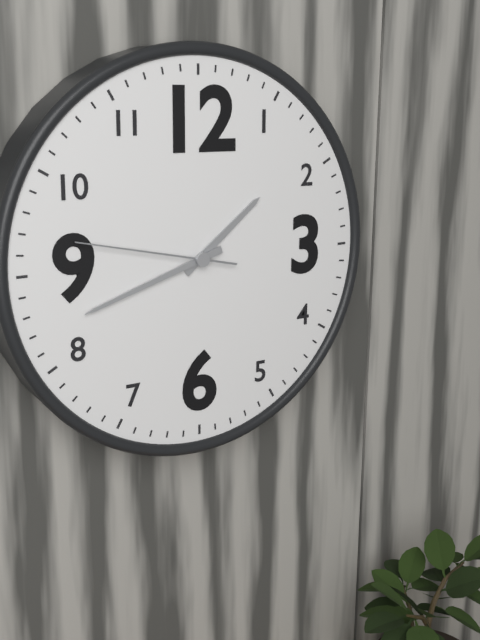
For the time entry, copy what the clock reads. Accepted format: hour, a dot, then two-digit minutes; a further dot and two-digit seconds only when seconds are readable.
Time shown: 1.42.47
